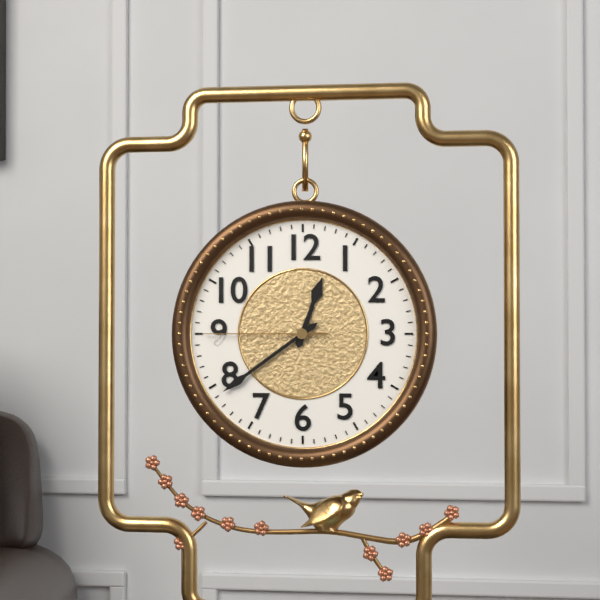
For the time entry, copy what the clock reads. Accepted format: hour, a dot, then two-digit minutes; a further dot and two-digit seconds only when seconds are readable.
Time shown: 12.39.45
